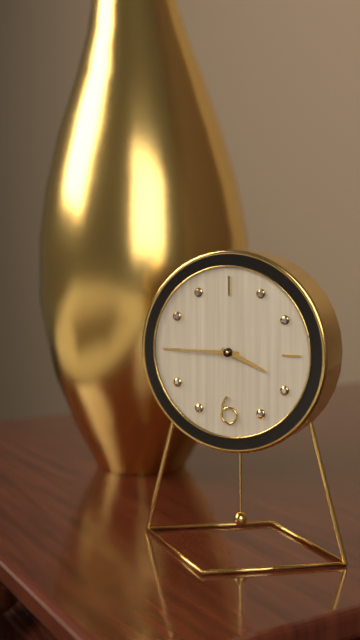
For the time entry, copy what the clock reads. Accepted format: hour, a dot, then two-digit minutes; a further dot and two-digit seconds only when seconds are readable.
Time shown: 3.45
